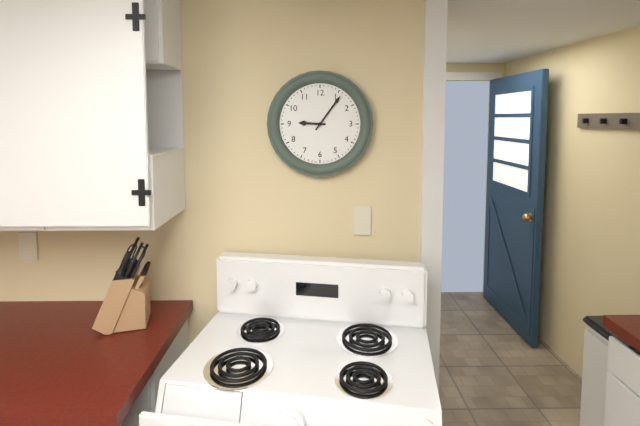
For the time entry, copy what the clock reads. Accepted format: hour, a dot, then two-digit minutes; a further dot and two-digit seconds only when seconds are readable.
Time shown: 9.06
